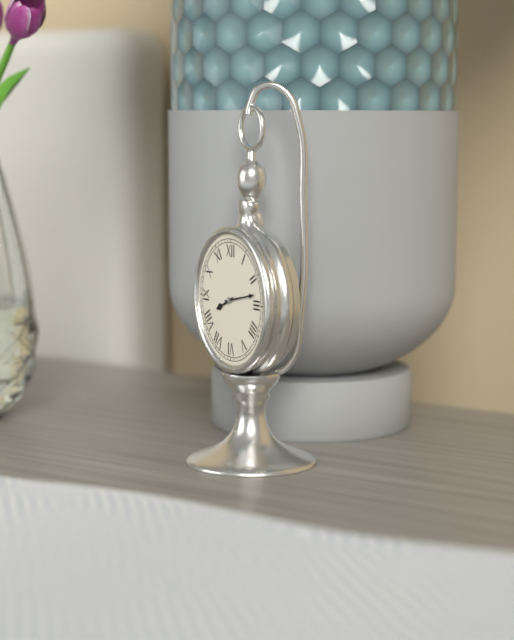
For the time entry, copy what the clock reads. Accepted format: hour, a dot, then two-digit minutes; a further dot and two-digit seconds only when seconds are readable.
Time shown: 8.13
